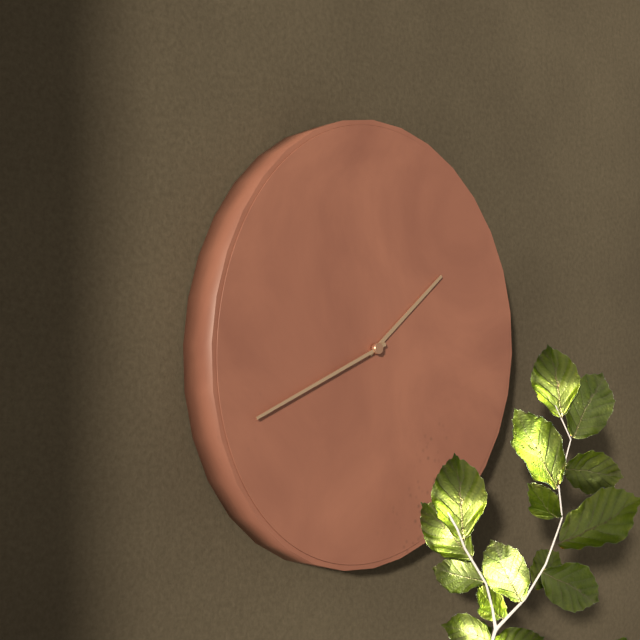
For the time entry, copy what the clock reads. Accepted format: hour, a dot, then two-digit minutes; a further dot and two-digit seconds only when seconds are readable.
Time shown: 1.41
